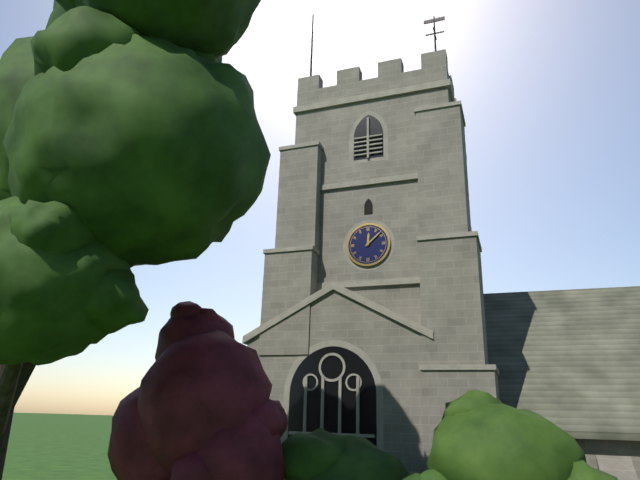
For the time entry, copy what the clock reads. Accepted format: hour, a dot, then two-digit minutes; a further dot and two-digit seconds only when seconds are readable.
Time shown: 12.08
